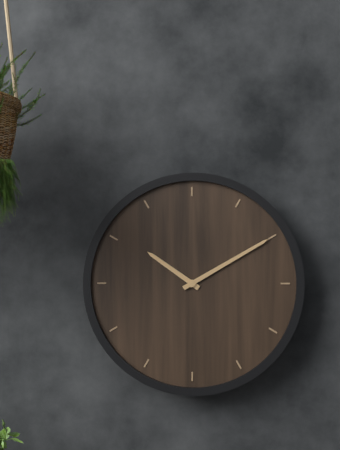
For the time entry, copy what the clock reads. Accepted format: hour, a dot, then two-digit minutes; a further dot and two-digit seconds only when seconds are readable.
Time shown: 10.10
